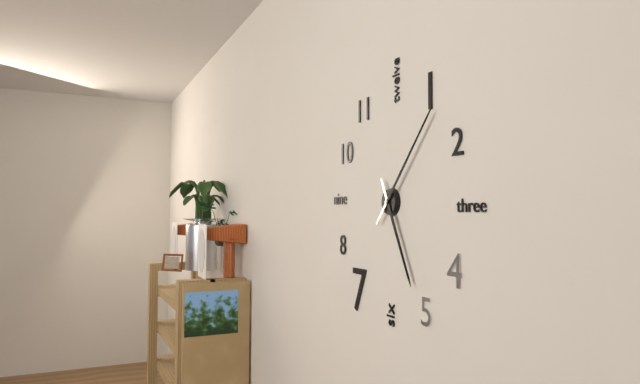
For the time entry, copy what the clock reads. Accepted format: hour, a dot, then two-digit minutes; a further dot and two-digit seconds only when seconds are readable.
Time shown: 5.07
